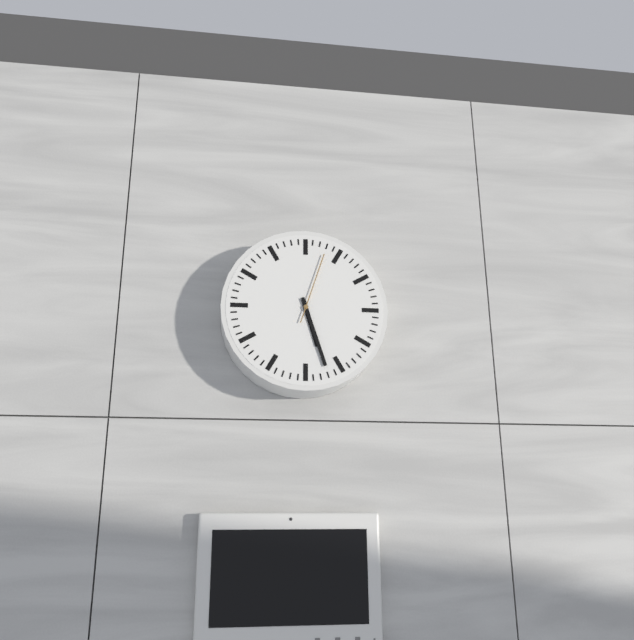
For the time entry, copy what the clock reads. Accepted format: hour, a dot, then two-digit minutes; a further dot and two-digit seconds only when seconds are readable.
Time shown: 5.27.03
